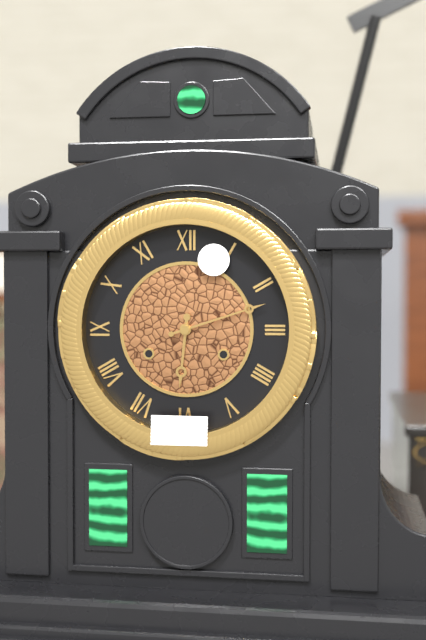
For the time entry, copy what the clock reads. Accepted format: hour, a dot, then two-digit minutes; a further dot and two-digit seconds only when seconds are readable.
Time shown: 6.12
